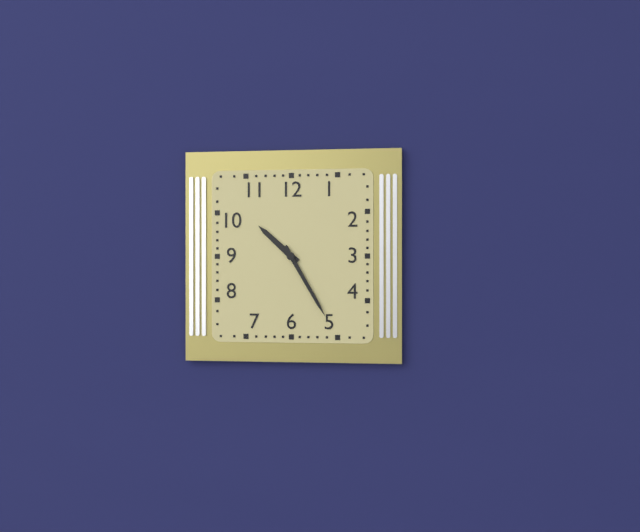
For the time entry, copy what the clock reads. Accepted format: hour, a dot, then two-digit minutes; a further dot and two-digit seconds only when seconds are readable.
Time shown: 10.25
